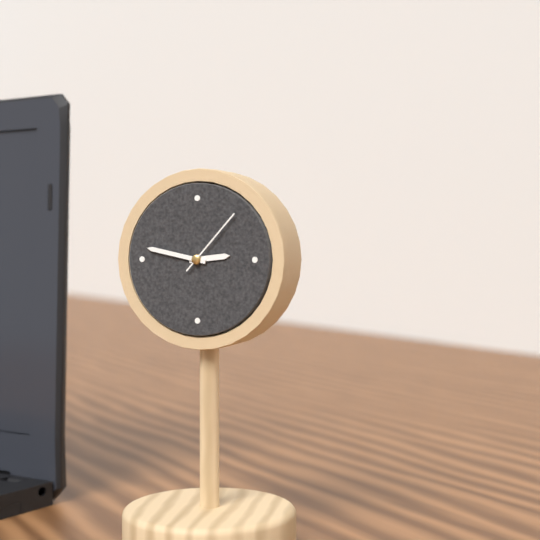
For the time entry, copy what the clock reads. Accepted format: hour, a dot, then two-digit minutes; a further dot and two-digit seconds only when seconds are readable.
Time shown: 2.47.07
